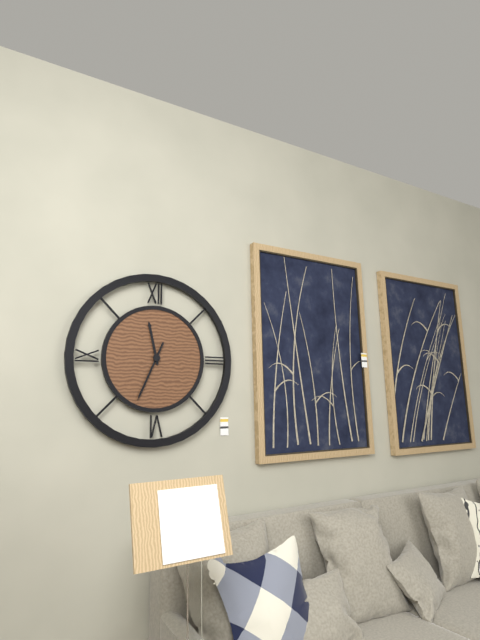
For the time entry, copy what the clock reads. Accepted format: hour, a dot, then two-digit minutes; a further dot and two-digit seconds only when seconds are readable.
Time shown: 11.34
